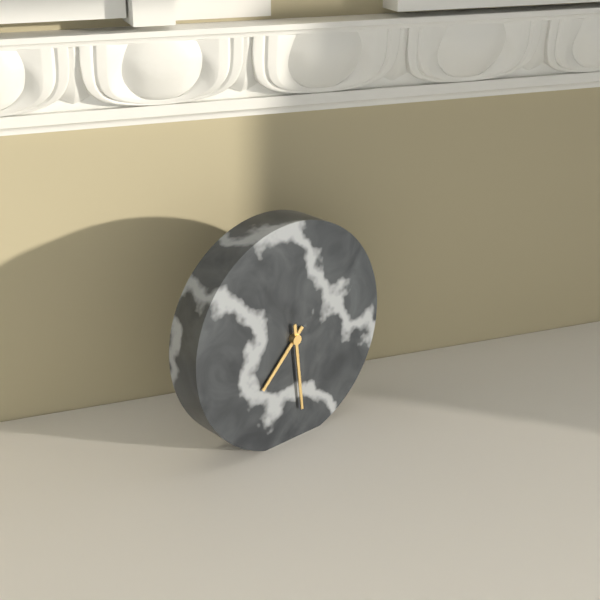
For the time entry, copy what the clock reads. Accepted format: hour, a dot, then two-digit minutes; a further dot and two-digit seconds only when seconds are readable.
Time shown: 7.29
